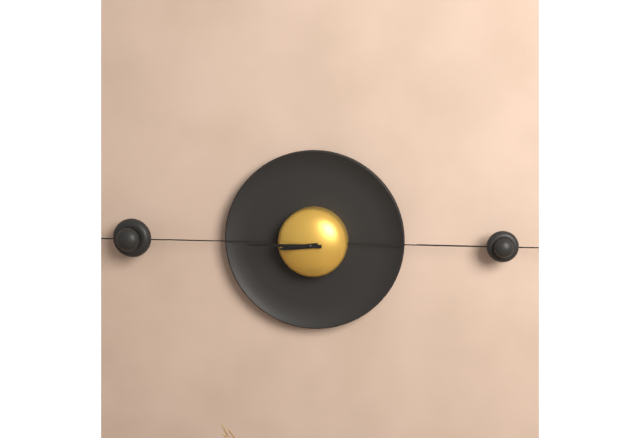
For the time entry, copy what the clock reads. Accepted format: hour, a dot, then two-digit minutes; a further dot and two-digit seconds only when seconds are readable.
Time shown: 8.45
